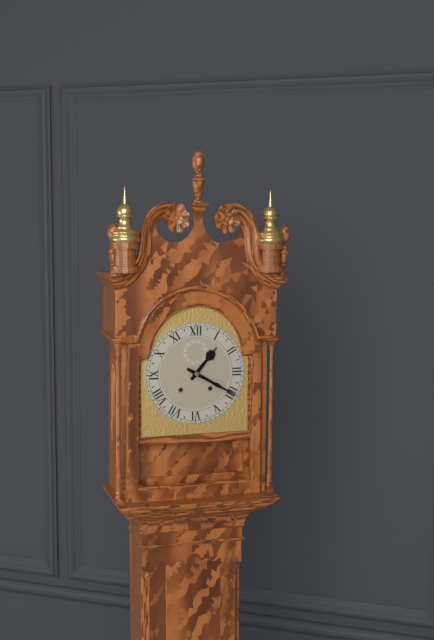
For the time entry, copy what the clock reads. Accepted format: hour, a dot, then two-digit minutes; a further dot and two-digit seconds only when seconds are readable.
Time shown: 1.20
